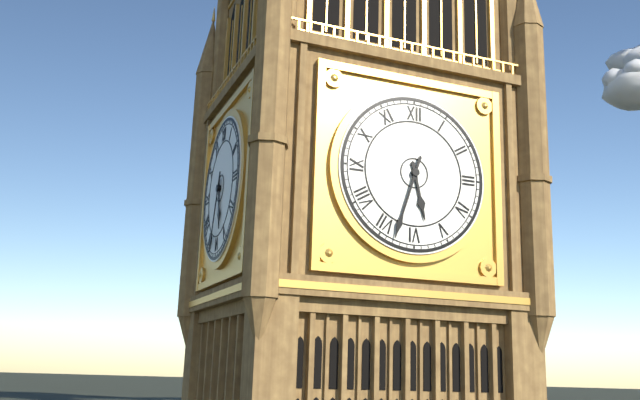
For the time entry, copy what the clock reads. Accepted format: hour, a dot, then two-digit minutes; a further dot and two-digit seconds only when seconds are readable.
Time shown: 5.33
